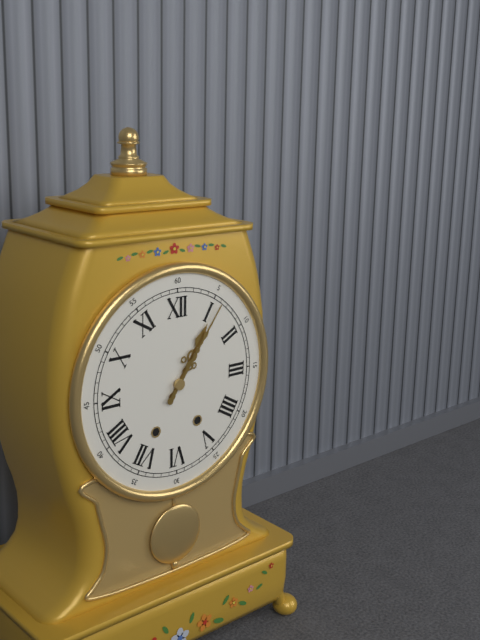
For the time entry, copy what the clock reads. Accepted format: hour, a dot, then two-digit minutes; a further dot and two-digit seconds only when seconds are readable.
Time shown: 1.06
